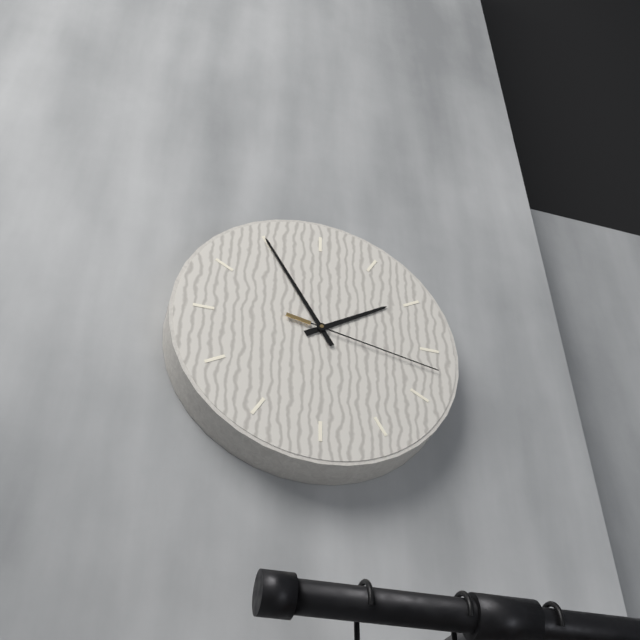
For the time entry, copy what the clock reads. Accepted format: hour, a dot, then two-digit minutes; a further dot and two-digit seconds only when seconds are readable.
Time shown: 1.55.17
